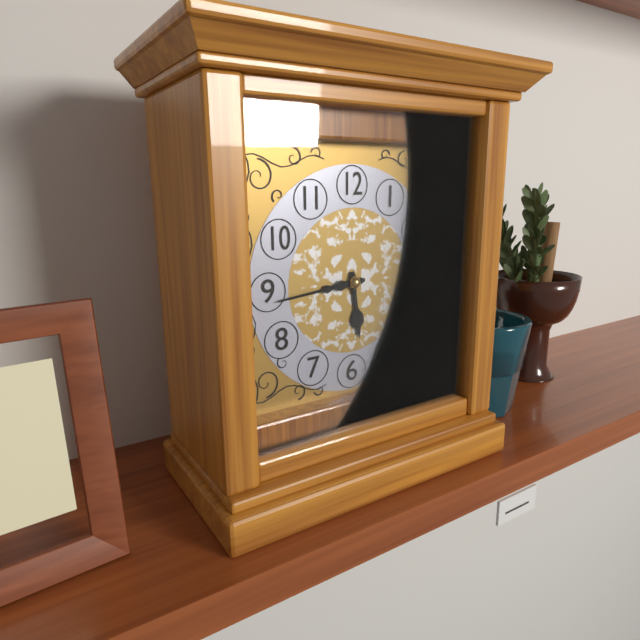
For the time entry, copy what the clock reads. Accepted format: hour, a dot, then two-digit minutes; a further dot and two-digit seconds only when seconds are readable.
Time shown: 5.44
